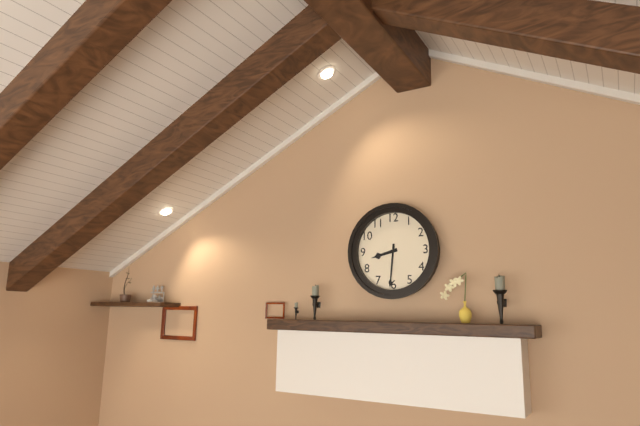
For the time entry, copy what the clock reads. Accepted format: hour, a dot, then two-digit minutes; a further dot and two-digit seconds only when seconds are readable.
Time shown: 8.31
